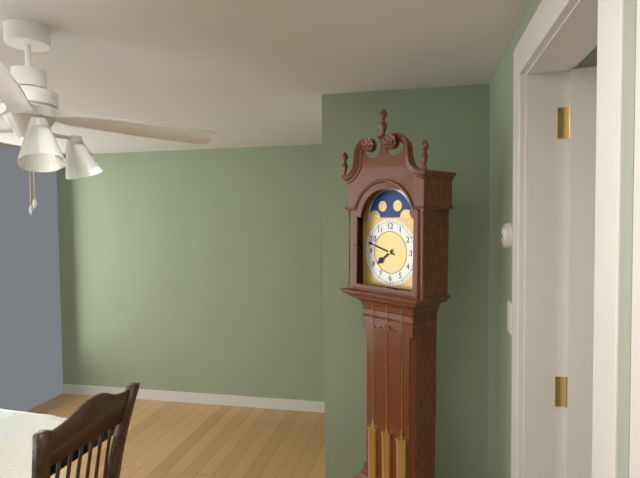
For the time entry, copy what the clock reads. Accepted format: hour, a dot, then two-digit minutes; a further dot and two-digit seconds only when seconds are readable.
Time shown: 7.48
